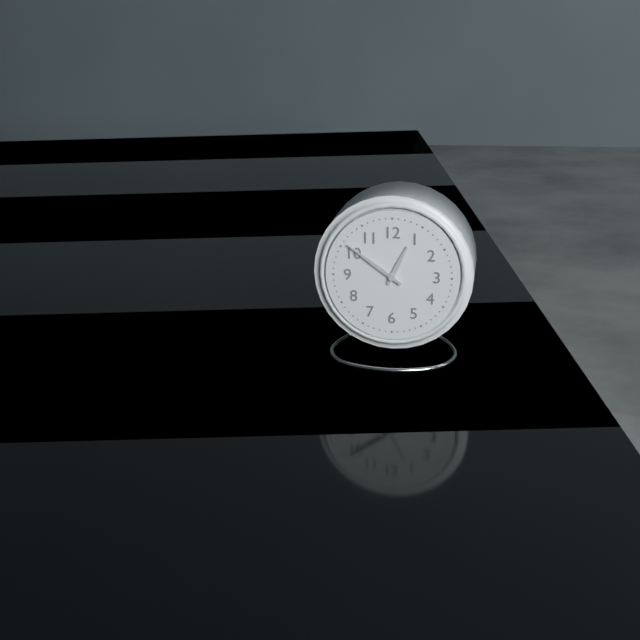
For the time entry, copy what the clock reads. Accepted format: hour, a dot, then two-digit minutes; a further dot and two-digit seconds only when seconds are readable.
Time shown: 12.51
